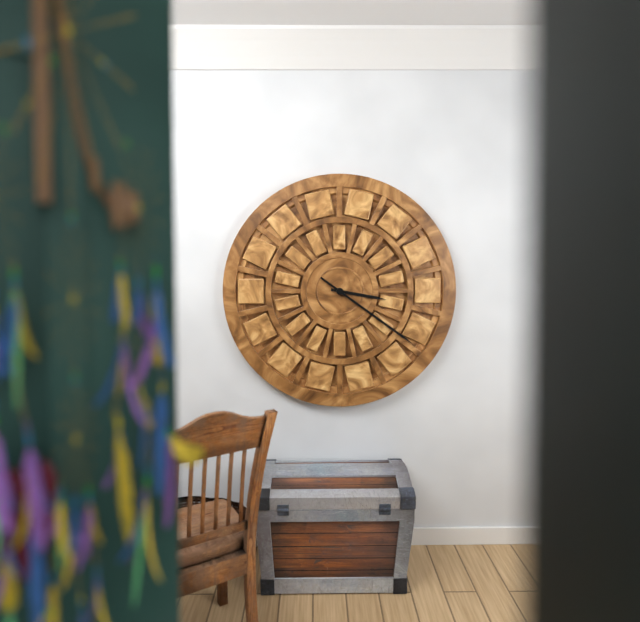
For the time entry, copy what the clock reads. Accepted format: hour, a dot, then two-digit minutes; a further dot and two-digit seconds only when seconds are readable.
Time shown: 3.21
